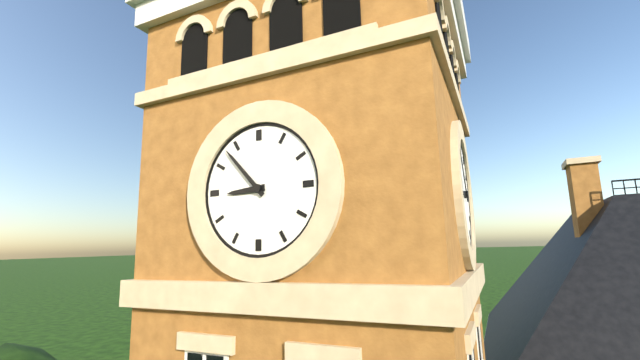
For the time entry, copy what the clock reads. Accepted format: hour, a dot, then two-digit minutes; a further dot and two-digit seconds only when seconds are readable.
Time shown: 8.53
